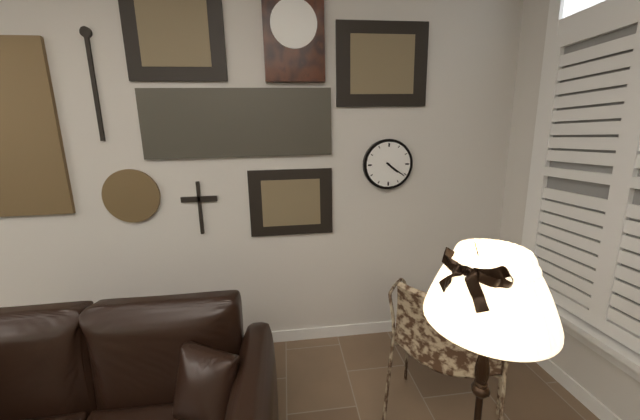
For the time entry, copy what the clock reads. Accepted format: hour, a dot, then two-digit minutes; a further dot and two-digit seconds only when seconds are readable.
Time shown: 4.21
